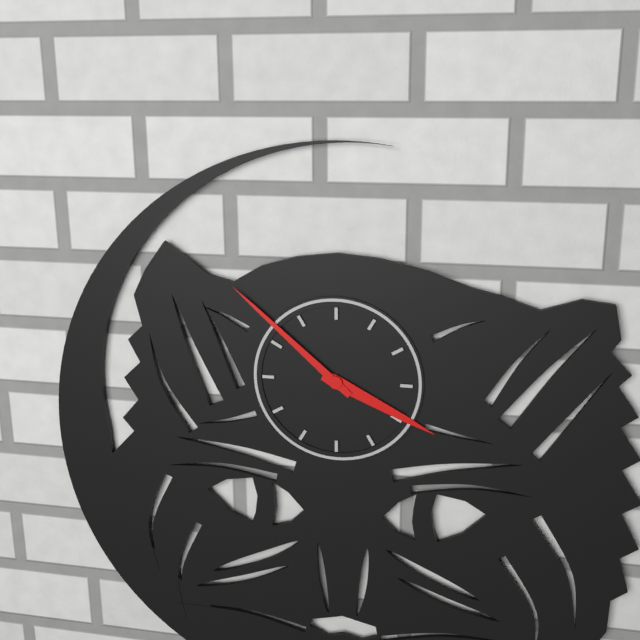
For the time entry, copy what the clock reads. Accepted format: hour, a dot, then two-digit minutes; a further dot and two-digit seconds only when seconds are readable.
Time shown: 3.52
